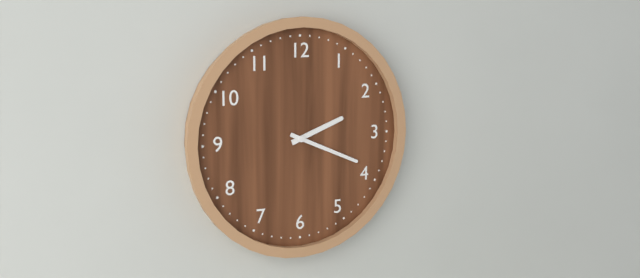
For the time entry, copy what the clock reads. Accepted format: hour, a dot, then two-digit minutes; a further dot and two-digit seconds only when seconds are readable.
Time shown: 2.19
